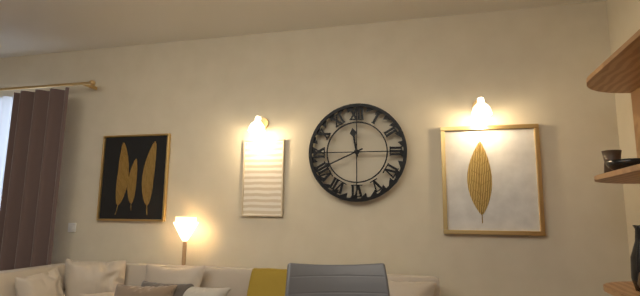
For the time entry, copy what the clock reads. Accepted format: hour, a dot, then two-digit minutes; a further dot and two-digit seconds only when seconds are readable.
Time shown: 11.41
